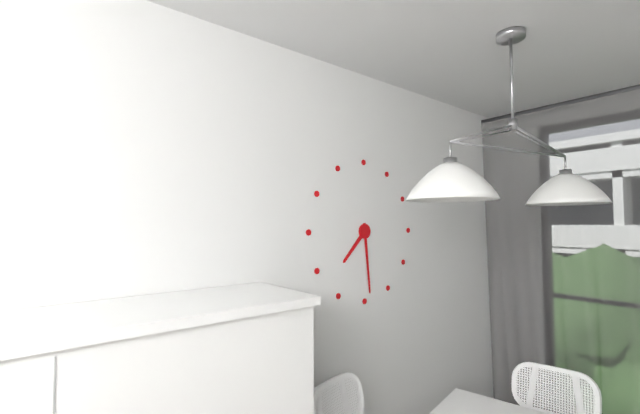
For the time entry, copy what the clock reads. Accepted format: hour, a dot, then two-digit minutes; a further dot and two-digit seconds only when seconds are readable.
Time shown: 7.29
